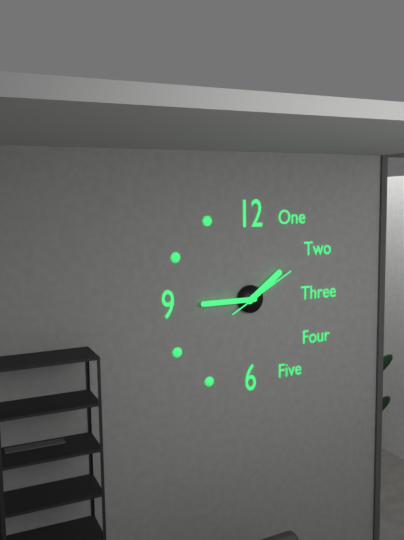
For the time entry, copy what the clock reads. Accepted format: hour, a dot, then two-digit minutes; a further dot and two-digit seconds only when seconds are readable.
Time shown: 1.45.10
